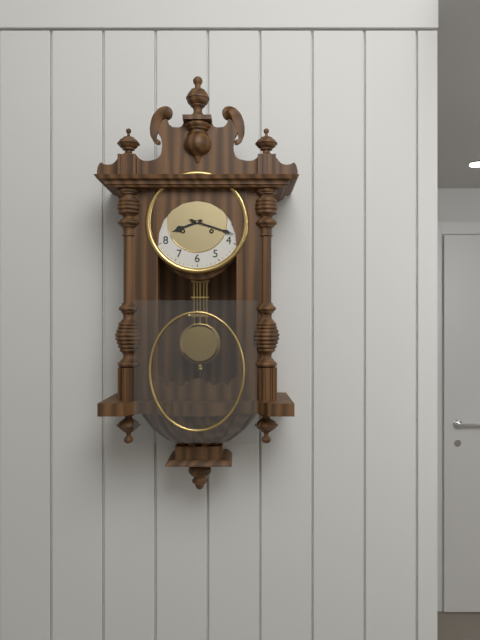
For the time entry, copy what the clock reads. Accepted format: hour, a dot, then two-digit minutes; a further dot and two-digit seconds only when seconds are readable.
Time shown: 8.18
